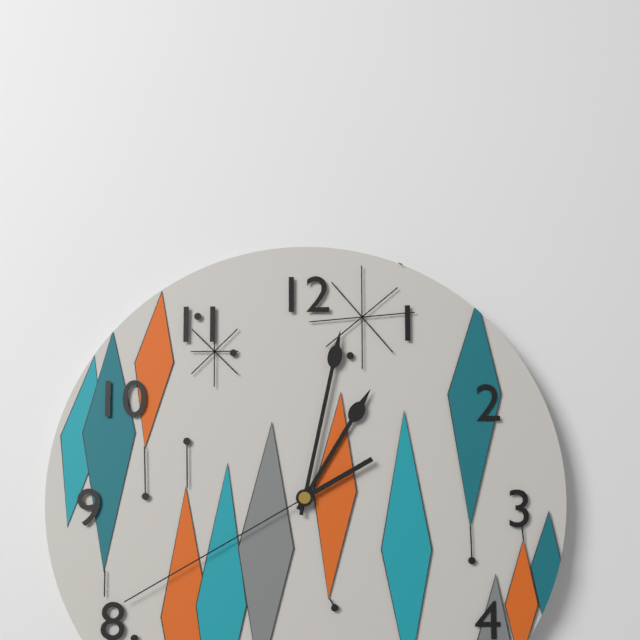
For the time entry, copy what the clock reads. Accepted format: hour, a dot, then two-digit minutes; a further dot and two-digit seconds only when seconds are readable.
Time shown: 1.02.40
